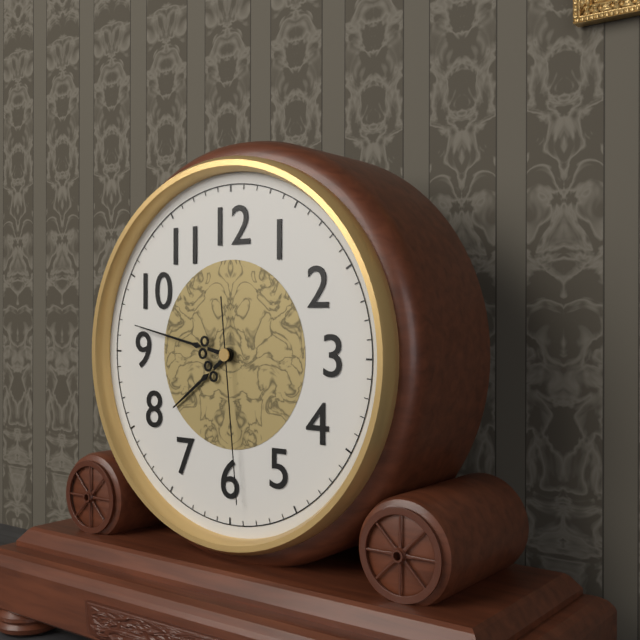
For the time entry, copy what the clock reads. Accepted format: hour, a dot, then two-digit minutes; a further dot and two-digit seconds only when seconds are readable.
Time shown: 7.47.29
